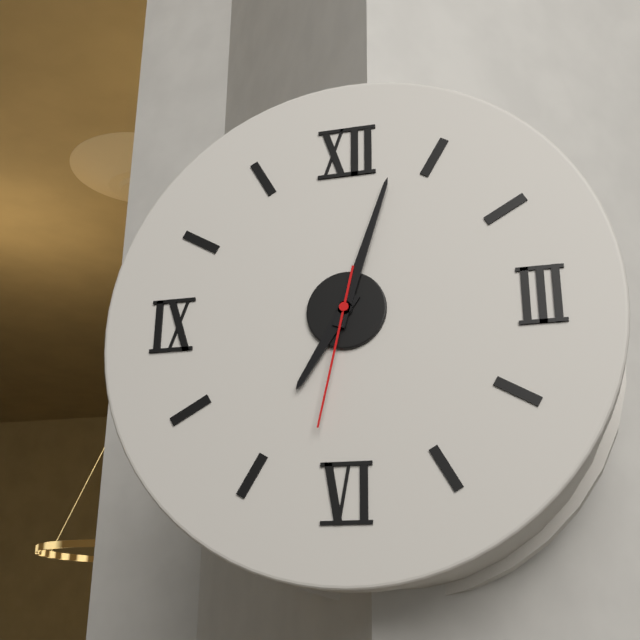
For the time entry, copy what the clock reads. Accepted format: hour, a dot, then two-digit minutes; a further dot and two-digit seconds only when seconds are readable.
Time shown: 7.03.32
